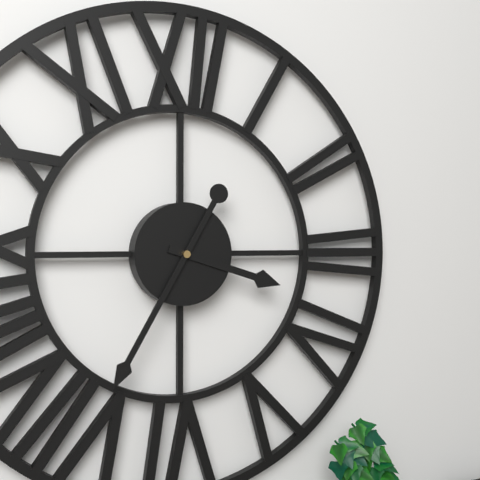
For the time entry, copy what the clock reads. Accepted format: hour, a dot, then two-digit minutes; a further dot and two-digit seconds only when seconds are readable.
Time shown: 3.35
